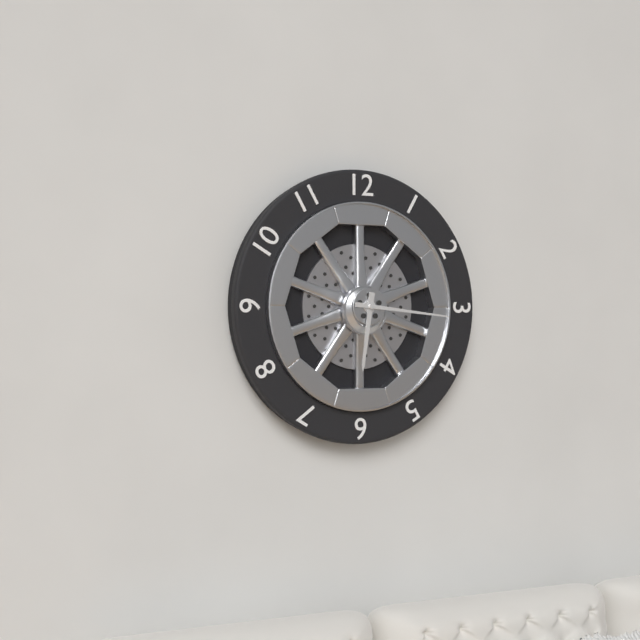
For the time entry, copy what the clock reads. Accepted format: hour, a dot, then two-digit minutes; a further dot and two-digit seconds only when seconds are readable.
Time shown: 6.16
